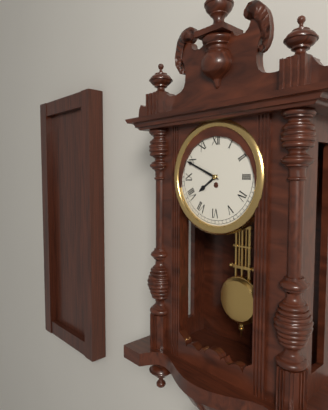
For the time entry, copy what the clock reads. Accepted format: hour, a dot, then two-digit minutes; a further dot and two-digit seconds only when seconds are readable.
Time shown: 7.49
